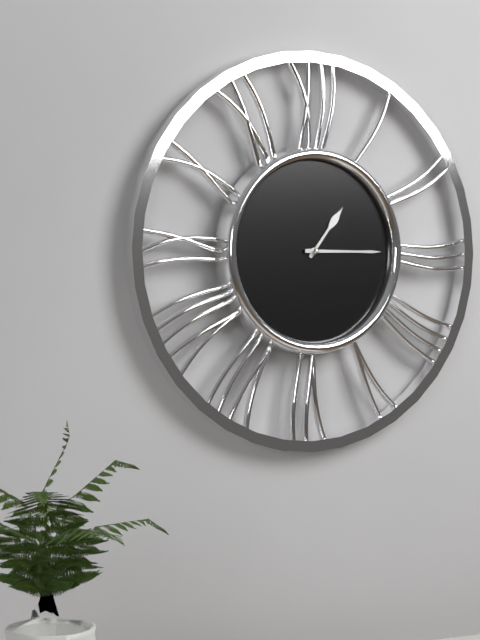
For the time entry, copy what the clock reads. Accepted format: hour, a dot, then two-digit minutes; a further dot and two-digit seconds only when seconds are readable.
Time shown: 1.15
